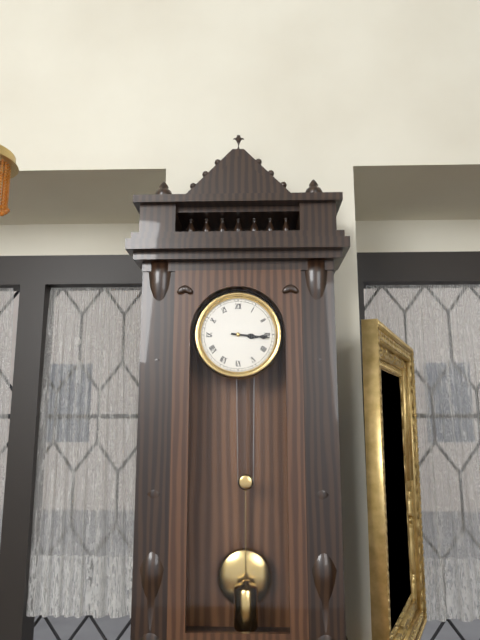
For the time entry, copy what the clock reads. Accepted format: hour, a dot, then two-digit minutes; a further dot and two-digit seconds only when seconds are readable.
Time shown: 3.16
